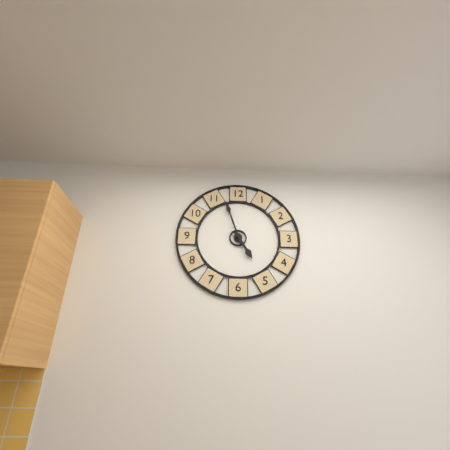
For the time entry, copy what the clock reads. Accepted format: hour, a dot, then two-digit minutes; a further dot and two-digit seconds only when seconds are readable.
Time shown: 4.57
